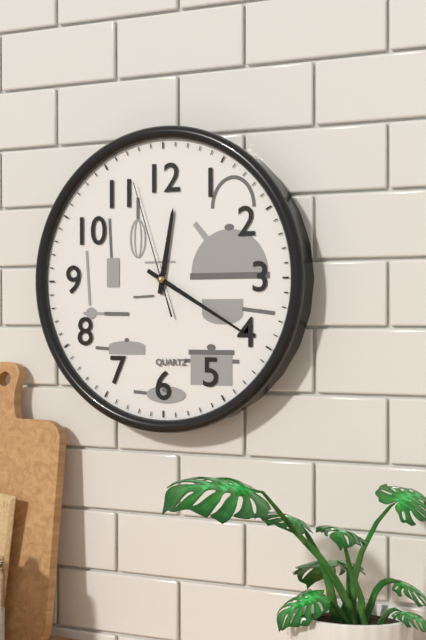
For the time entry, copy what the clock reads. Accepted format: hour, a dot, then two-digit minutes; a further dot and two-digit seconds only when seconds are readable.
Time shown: 12.20.57
